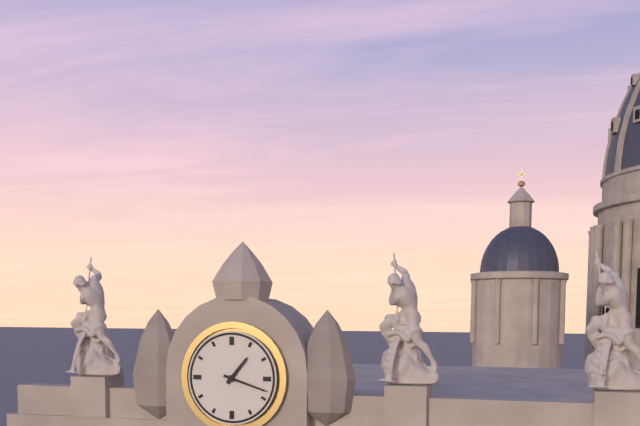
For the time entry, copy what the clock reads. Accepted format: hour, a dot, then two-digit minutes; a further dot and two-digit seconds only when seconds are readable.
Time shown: 1.18
